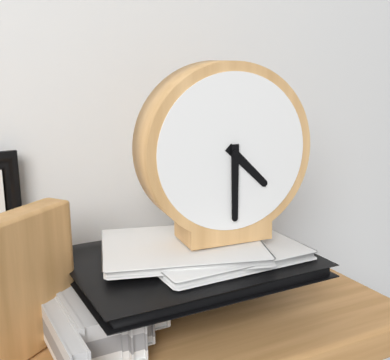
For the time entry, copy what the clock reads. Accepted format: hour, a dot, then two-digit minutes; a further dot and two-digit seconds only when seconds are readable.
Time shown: 4.30
